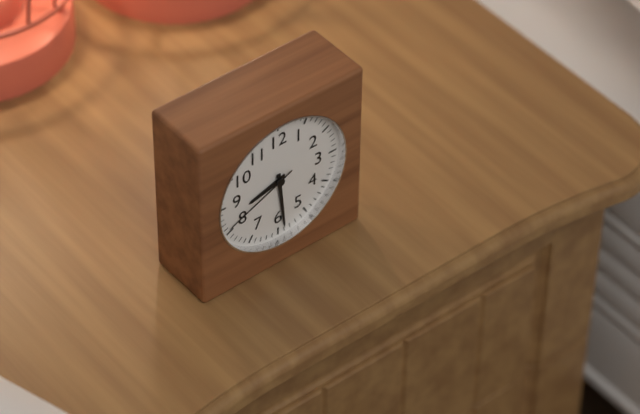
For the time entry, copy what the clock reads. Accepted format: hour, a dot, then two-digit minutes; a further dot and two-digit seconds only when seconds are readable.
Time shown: 8.29.41
